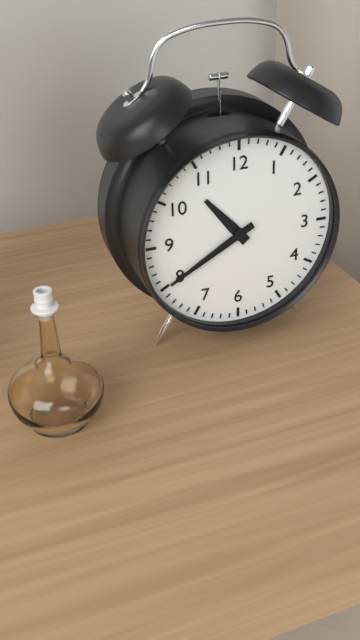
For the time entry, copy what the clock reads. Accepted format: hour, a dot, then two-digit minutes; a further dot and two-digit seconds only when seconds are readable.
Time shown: 10.40
